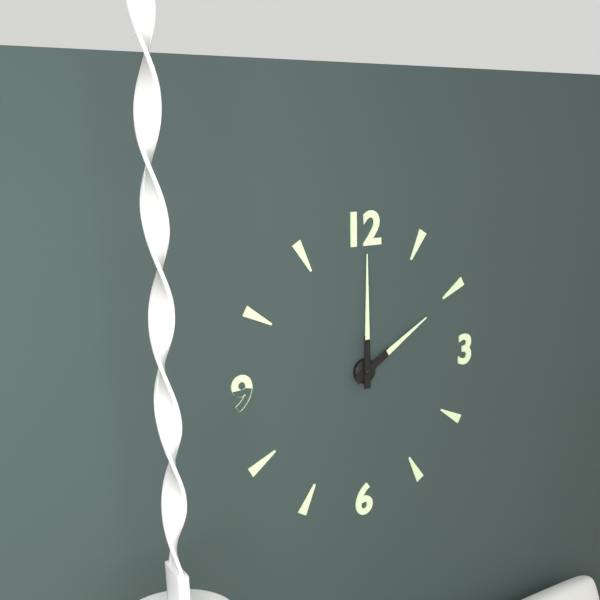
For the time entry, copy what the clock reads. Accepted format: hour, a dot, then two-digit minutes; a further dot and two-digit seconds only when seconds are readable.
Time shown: 2.00
